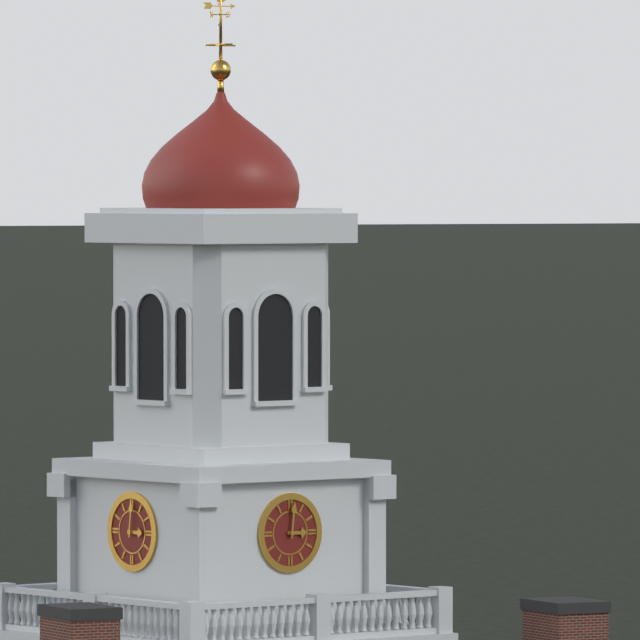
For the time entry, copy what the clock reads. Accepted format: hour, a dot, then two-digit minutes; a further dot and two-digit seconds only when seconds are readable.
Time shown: 3.01
